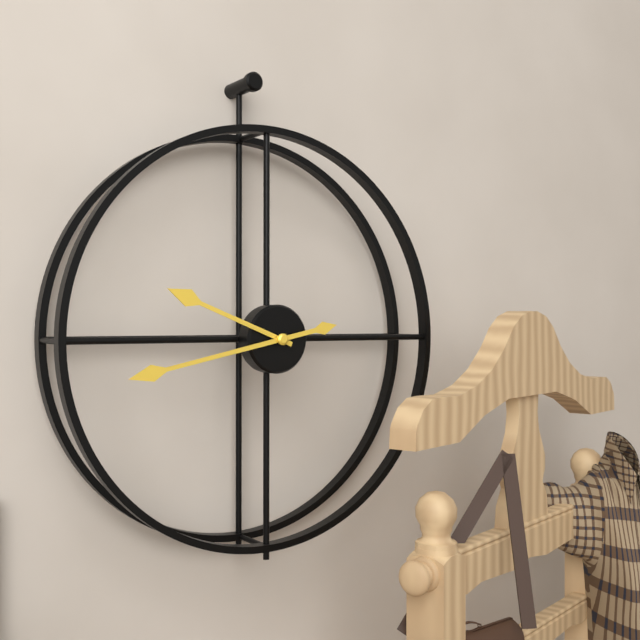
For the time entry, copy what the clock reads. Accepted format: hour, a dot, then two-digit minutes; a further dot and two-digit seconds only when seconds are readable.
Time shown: 9.43
